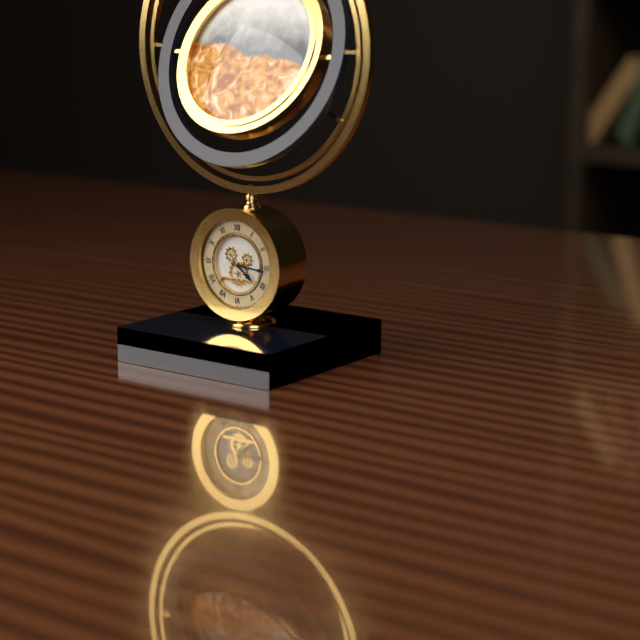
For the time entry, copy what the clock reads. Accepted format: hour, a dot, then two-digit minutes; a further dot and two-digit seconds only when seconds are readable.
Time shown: 4.16
